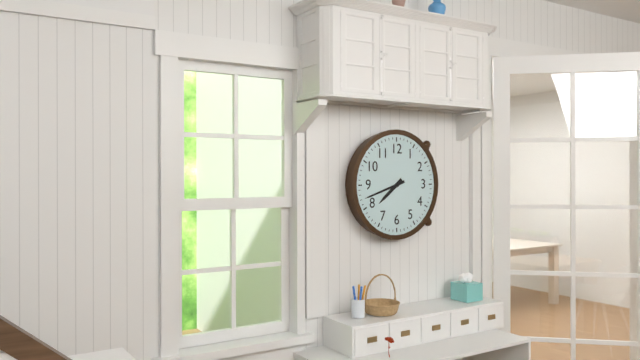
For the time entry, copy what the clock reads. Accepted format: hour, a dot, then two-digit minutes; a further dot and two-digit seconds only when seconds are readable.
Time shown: 7.42
